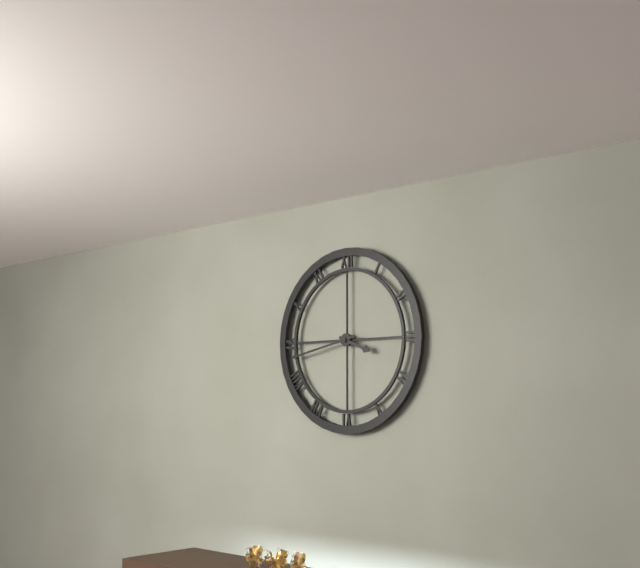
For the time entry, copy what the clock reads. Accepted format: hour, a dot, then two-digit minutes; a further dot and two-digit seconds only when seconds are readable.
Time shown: 3.43
